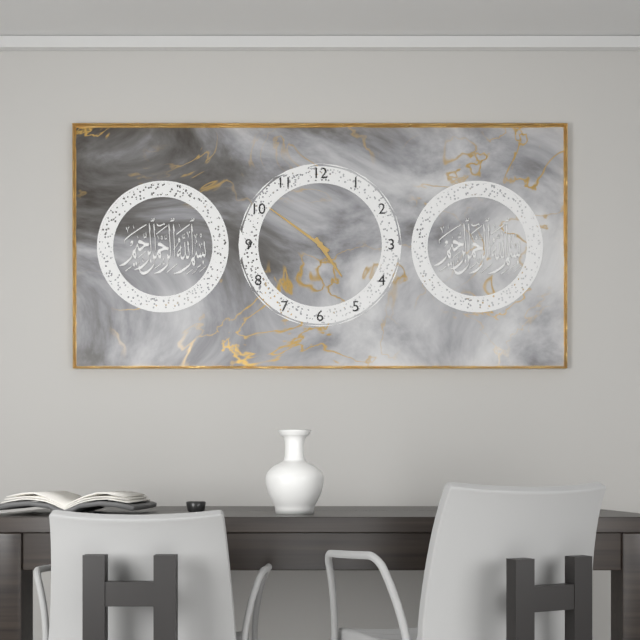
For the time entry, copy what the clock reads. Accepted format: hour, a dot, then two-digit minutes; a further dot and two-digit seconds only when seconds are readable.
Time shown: 4.51
